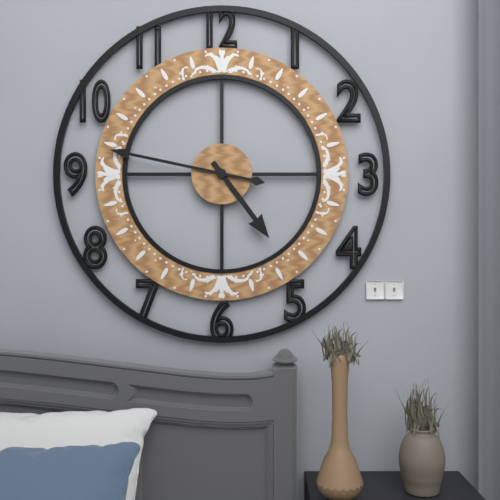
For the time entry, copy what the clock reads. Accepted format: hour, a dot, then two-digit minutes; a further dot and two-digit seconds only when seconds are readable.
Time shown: 4.47
